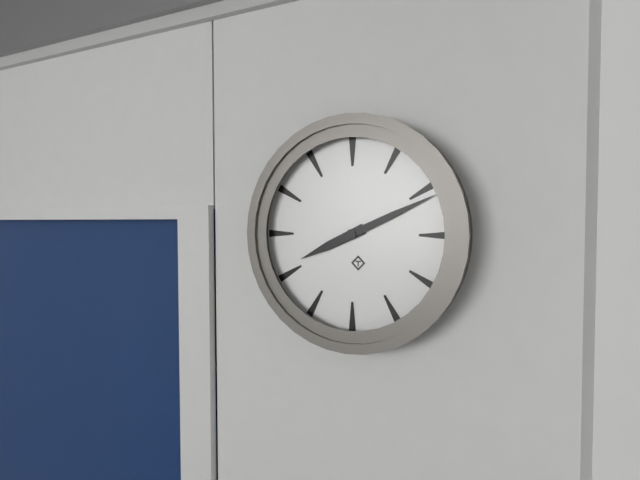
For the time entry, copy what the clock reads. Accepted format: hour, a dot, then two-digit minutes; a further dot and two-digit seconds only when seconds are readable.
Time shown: 8.11
